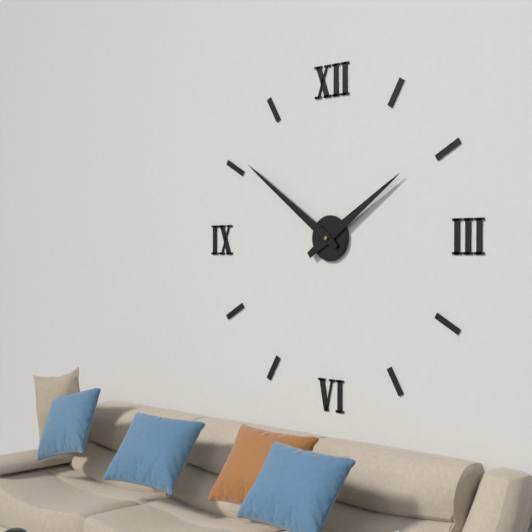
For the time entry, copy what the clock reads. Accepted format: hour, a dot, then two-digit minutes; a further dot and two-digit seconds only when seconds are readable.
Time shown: 1.51
